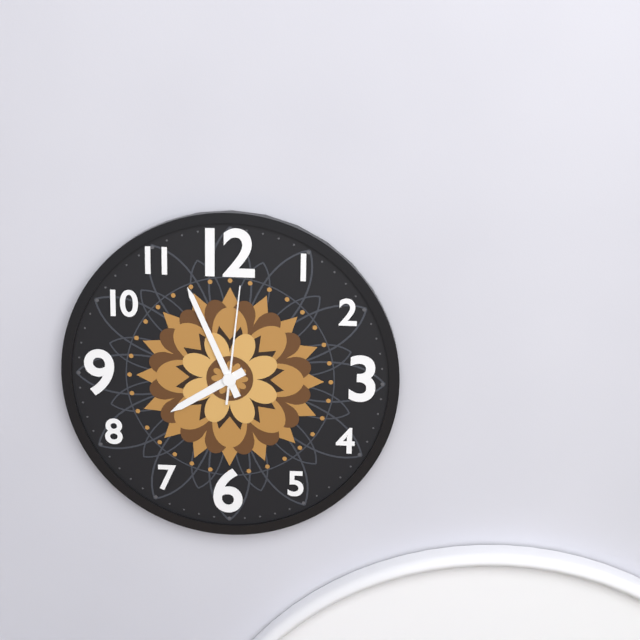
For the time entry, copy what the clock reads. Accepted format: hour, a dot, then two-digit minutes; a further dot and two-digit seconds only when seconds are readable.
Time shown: 7.56.01
